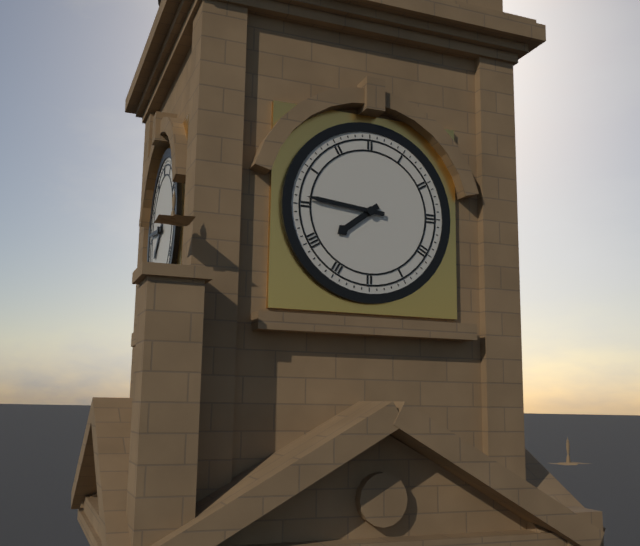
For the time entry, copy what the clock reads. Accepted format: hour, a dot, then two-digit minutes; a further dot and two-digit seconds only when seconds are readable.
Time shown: 7.46
